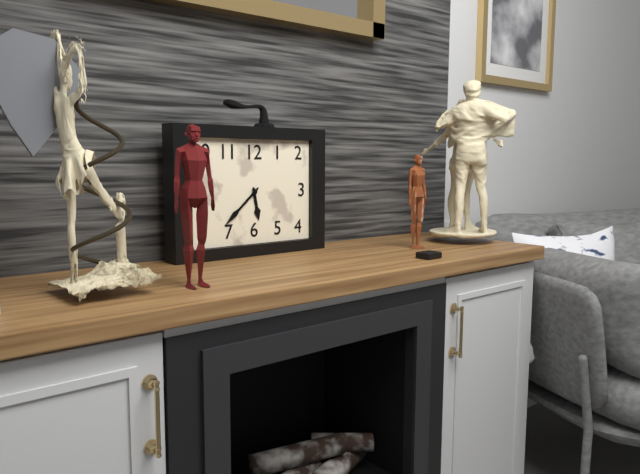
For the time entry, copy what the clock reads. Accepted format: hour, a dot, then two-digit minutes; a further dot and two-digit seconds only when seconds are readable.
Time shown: 5.38
